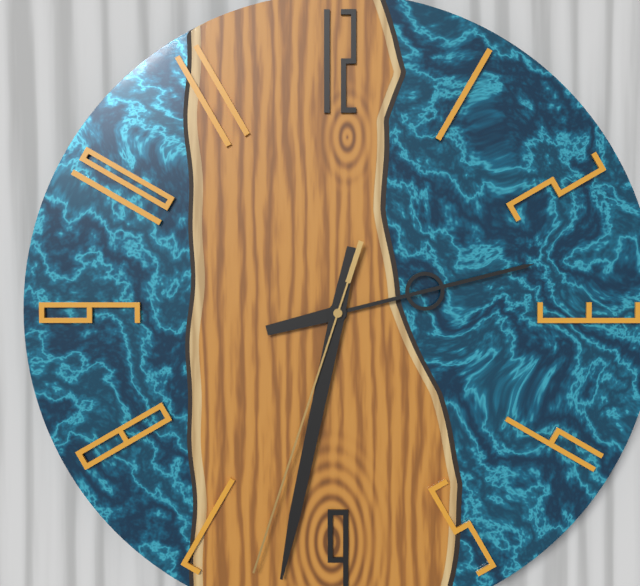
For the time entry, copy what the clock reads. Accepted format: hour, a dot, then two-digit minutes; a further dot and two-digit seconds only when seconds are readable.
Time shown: 2.32.33
